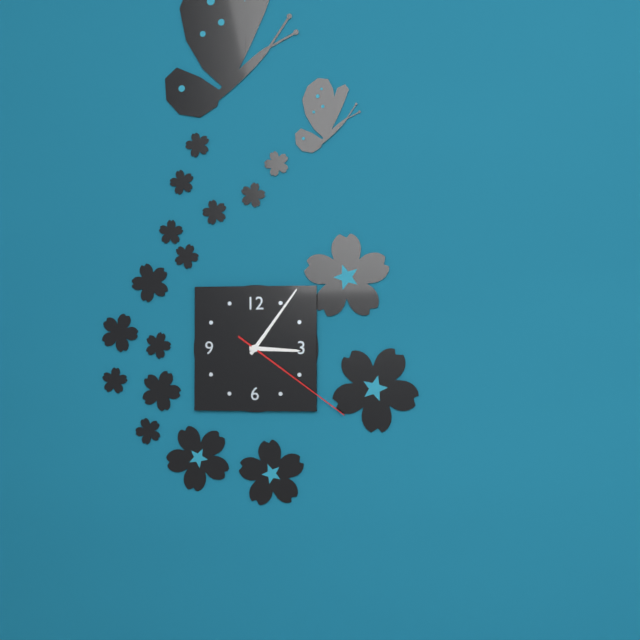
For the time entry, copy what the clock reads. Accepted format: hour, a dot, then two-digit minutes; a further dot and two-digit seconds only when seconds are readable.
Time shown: 3.06.21
